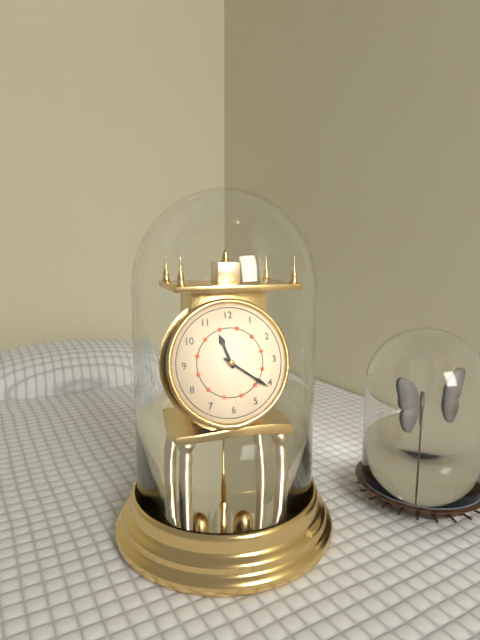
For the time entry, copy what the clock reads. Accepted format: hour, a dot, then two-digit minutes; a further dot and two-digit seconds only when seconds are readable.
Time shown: 11.21
